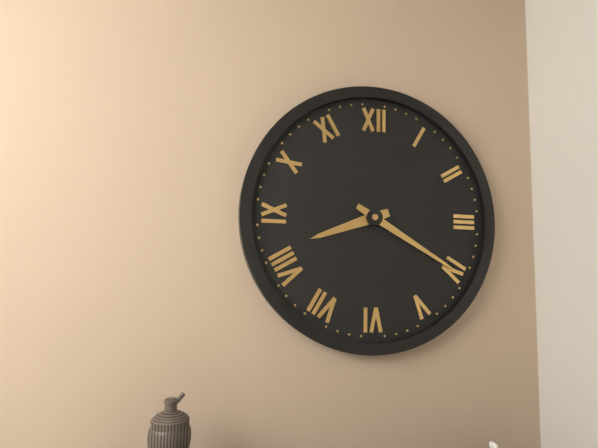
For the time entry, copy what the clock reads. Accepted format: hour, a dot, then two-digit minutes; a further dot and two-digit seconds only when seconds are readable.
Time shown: 8.20
